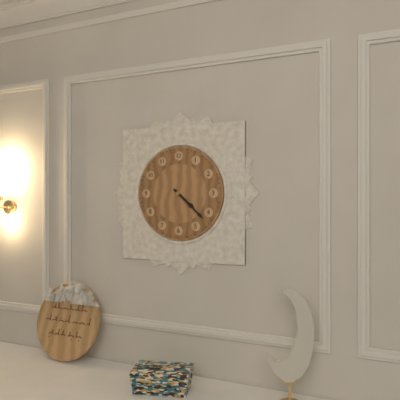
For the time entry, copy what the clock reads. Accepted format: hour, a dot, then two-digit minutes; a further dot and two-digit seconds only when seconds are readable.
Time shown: 4.22
